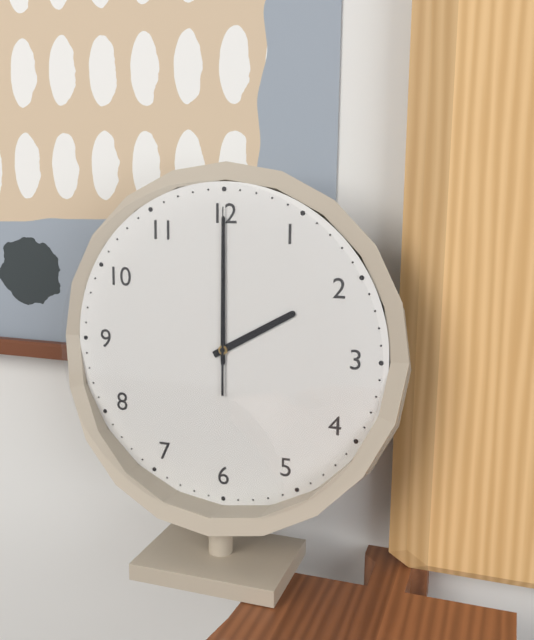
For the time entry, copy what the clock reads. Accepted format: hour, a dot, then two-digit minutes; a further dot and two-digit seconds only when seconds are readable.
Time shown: 2.00.00
